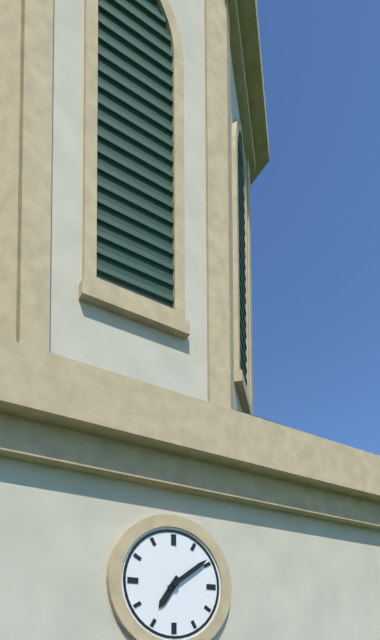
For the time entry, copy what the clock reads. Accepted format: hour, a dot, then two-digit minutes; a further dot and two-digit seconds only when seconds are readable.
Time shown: 7.09
